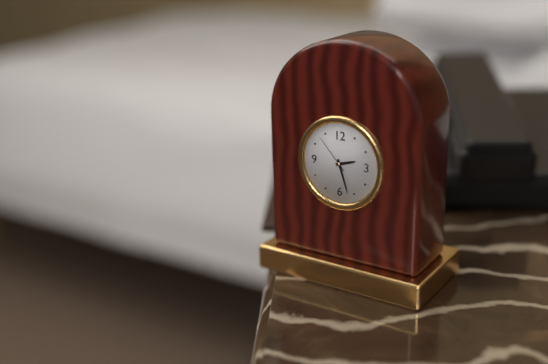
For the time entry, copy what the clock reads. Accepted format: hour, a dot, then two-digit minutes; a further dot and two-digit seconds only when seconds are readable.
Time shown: 2.27
